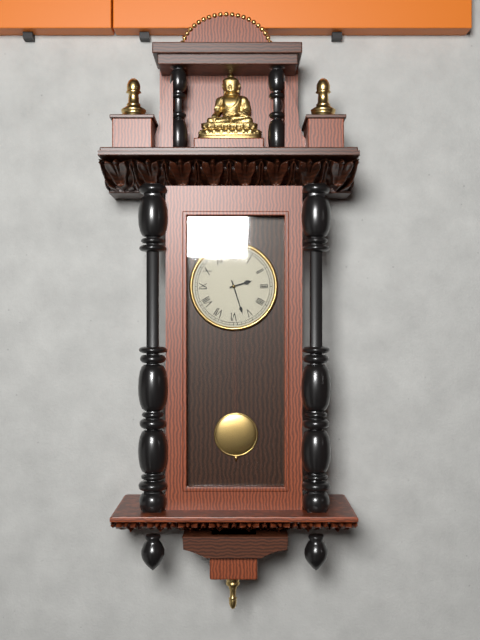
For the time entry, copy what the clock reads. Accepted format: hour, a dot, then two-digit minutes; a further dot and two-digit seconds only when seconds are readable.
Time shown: 2.27
